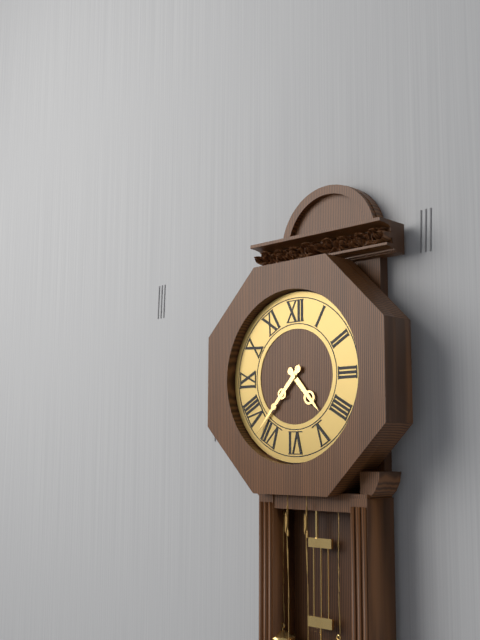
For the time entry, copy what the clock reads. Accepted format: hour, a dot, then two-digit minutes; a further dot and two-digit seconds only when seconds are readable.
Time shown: 4.37
